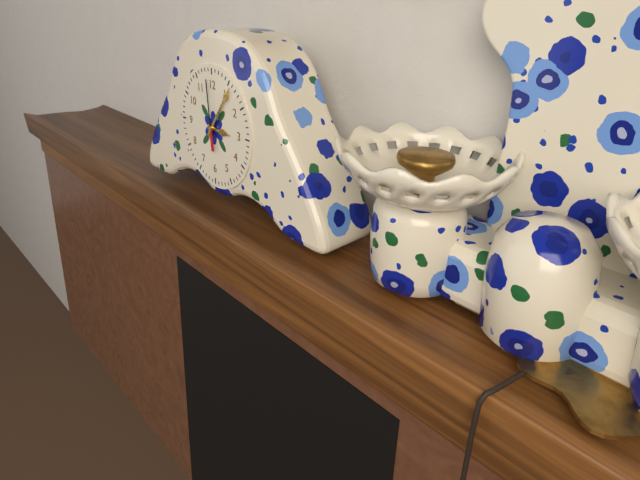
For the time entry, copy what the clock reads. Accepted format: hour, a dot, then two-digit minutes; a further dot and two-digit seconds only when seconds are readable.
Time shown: 3.06.59
